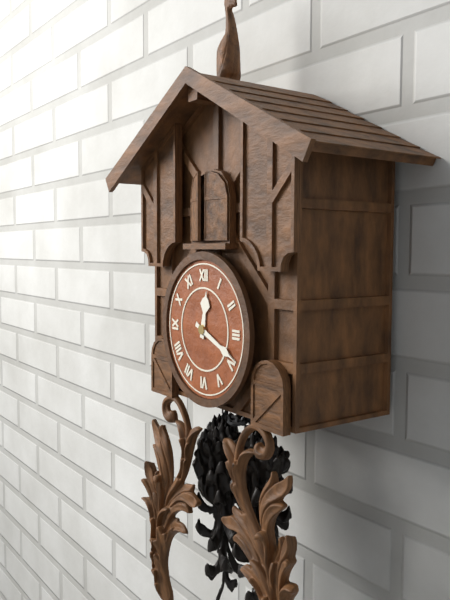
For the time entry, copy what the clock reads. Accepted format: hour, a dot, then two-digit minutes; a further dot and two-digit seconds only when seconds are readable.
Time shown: 12.19
